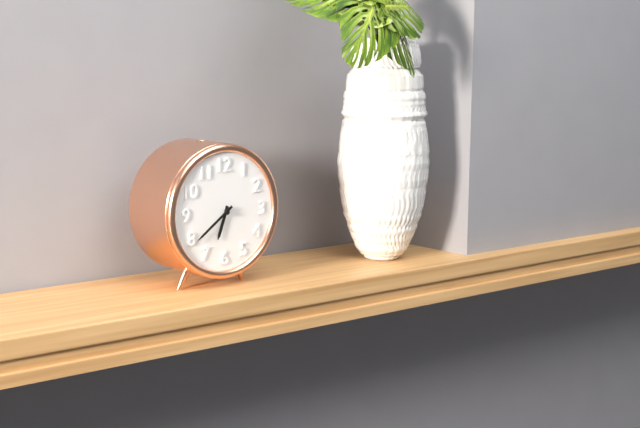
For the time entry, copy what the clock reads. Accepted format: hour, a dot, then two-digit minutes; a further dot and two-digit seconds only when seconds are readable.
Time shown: 6.39
